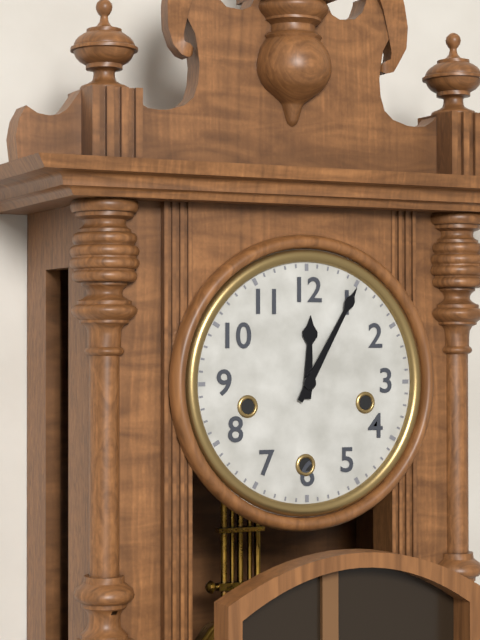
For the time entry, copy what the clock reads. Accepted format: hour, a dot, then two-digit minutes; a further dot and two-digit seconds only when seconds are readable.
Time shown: 12.05
